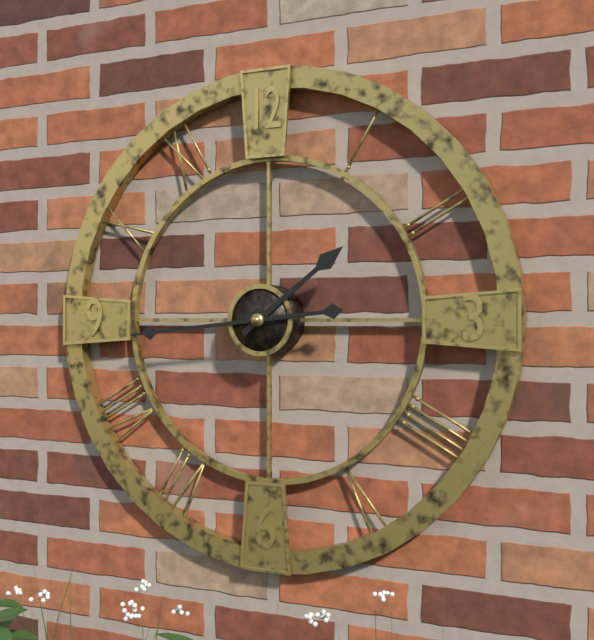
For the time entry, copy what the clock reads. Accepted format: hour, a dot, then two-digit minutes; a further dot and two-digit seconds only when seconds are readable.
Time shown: 1.44
